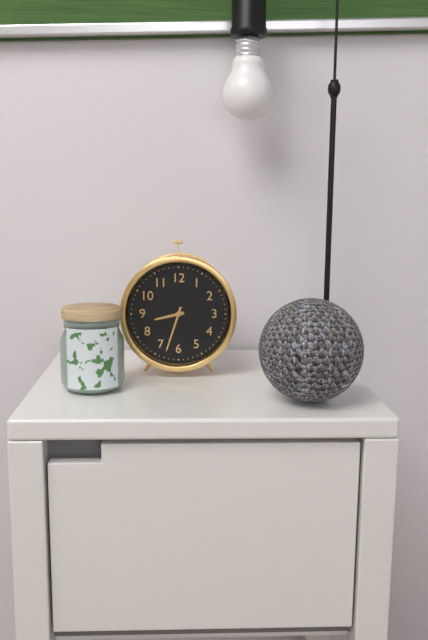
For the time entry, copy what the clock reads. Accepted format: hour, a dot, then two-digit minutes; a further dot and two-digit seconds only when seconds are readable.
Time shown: 8.33
